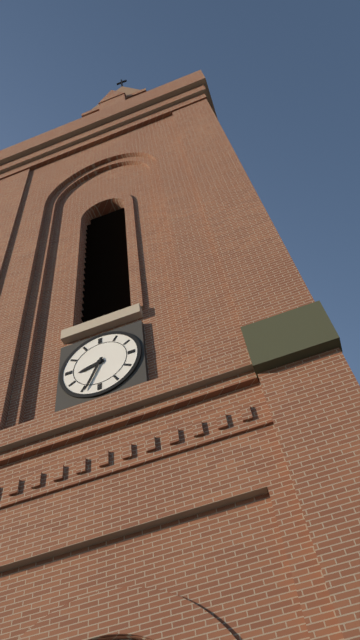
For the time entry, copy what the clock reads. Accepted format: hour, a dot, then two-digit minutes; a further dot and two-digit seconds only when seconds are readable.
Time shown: 8.34
